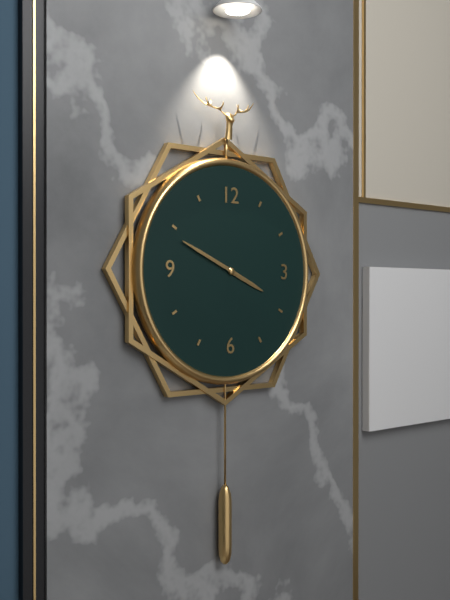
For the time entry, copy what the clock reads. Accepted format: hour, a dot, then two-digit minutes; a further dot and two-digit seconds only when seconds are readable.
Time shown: 3.49
